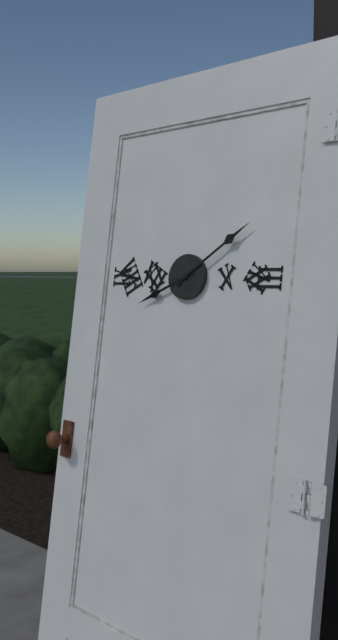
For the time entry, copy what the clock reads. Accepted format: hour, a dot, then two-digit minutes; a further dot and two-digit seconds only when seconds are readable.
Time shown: 8.09
